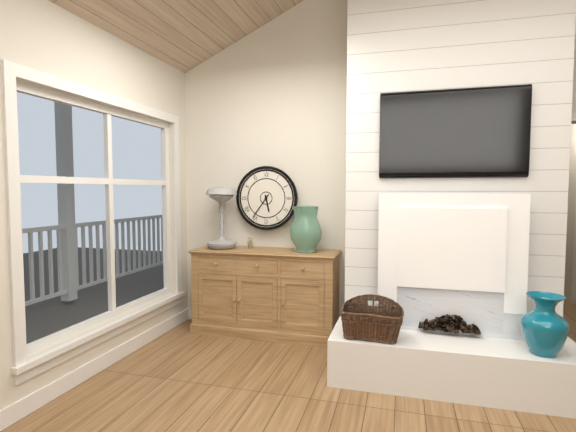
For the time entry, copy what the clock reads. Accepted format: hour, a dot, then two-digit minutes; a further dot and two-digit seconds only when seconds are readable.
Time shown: 5.36
